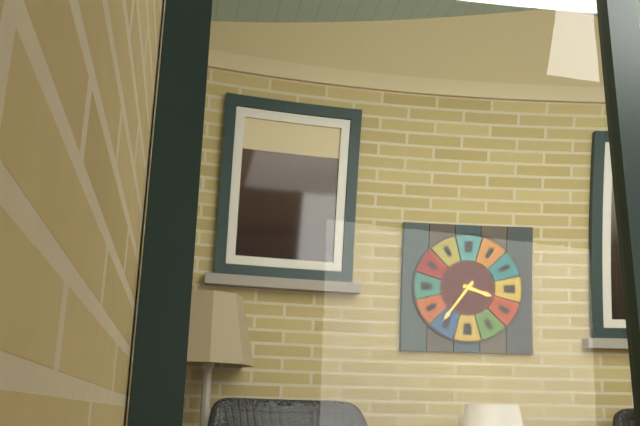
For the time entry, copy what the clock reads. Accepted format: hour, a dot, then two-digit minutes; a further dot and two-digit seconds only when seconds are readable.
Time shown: 3.36
